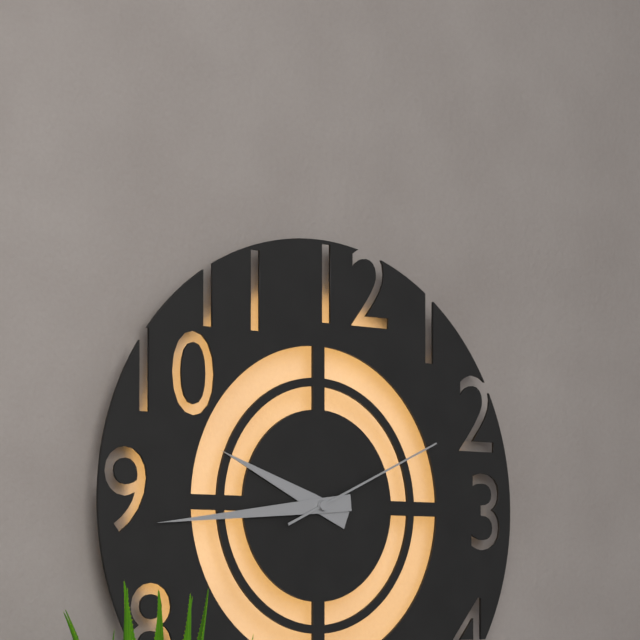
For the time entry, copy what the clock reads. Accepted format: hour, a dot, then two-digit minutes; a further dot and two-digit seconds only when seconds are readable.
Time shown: 9.44.11
